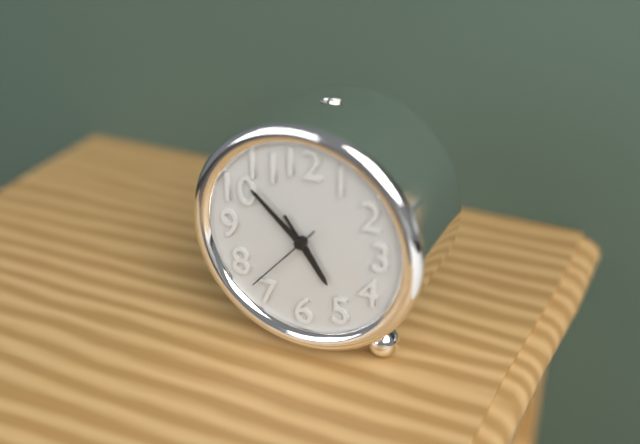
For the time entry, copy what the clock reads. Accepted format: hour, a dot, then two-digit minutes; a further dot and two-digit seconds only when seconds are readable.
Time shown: 4.52.37
